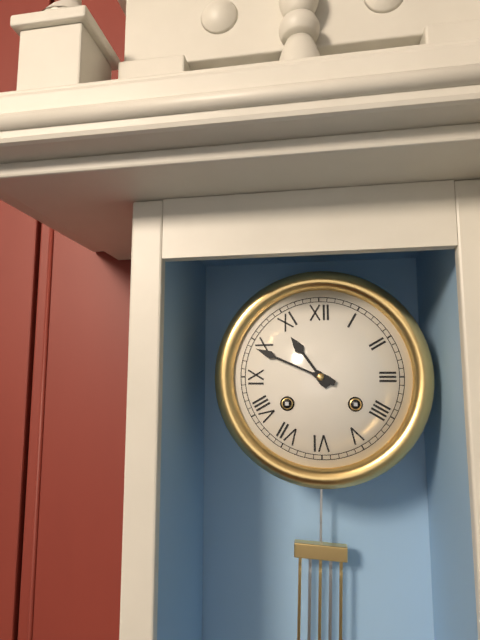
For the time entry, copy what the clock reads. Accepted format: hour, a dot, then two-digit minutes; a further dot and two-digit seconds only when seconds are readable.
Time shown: 10.49
